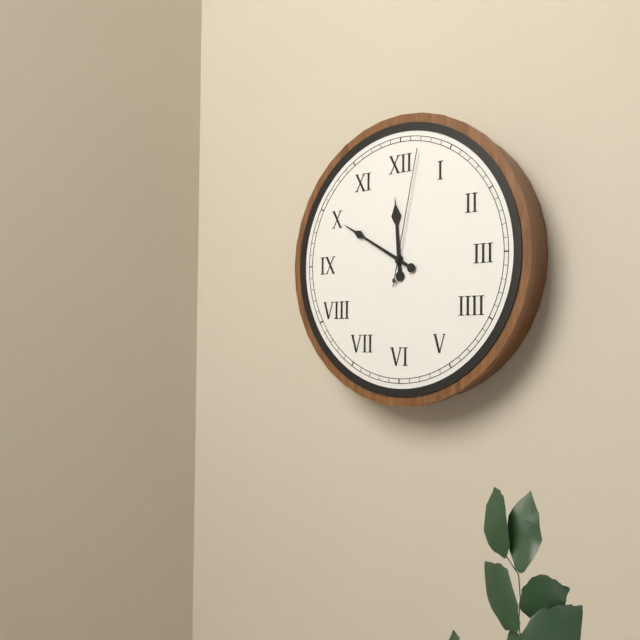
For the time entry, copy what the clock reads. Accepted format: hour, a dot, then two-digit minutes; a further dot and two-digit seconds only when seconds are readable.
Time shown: 11.50.02
